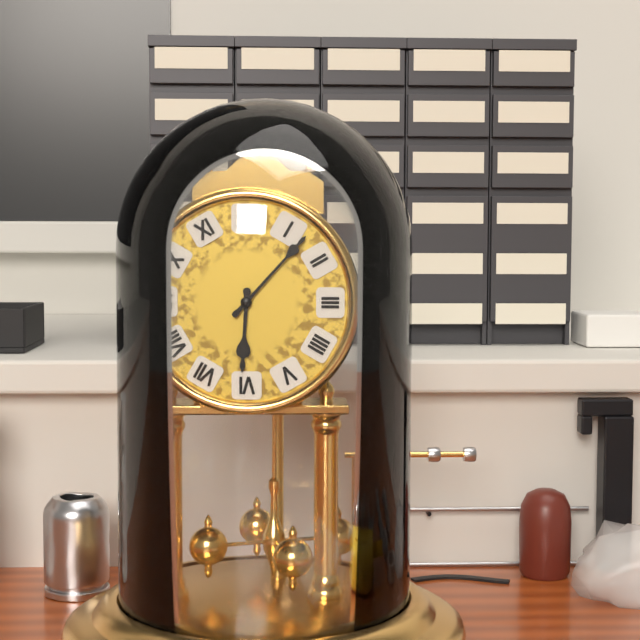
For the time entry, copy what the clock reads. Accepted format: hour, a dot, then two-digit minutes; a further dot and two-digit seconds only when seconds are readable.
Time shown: 6.07
